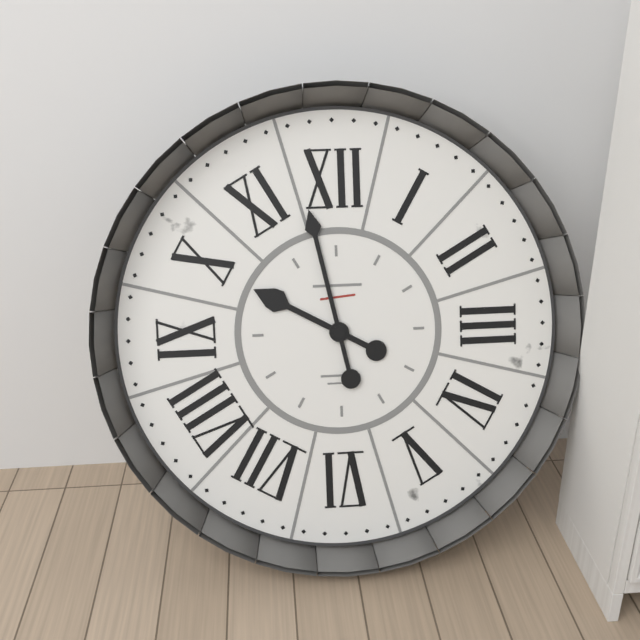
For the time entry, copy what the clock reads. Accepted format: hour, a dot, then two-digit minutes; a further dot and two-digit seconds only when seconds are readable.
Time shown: 9.58
